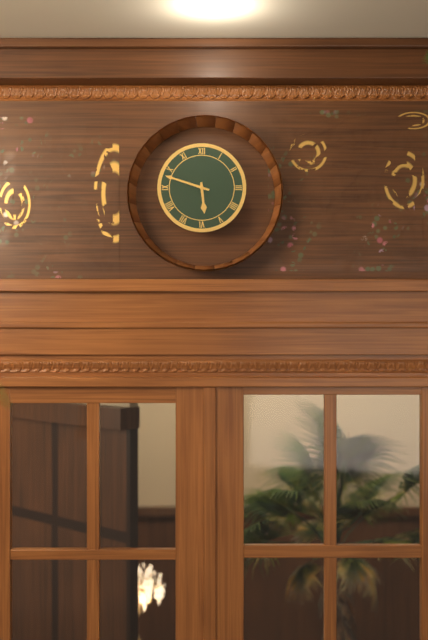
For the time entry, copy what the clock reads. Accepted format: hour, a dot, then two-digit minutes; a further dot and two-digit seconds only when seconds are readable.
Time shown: 5.48
